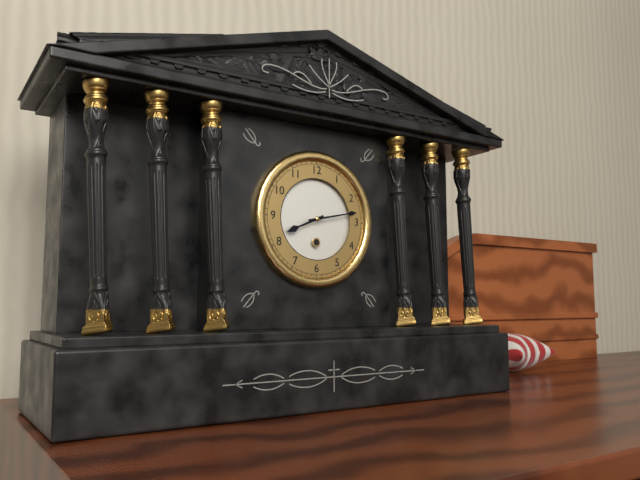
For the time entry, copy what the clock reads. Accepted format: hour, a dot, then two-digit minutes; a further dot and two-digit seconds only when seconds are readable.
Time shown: 8.13
